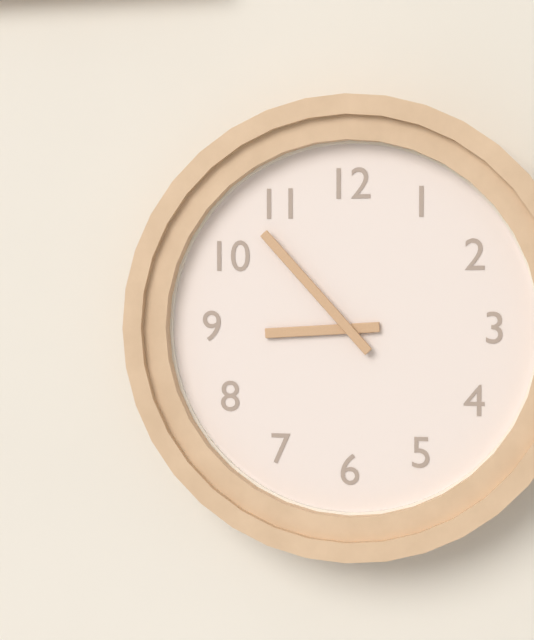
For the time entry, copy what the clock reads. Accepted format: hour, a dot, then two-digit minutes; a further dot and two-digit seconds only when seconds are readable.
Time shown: 8.53
